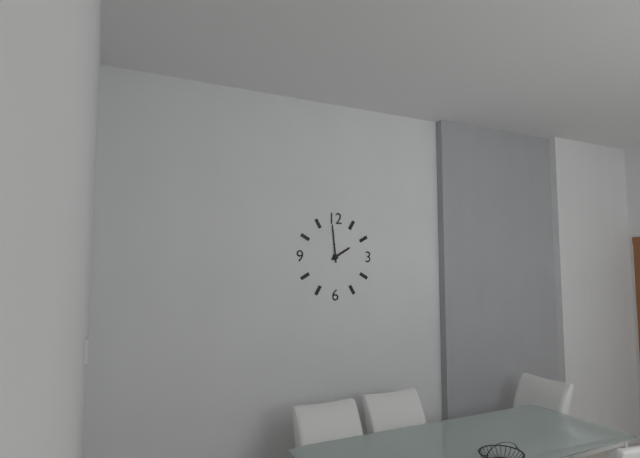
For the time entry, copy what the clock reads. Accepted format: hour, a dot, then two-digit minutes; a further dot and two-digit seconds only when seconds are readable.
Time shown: 1.59
